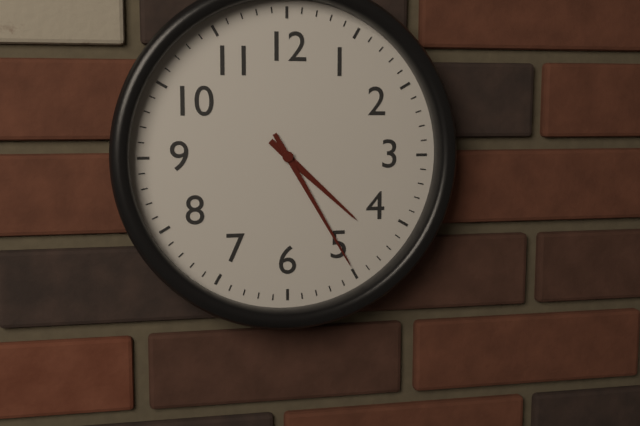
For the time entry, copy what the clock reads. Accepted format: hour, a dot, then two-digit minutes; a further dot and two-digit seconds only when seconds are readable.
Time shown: 4.25
